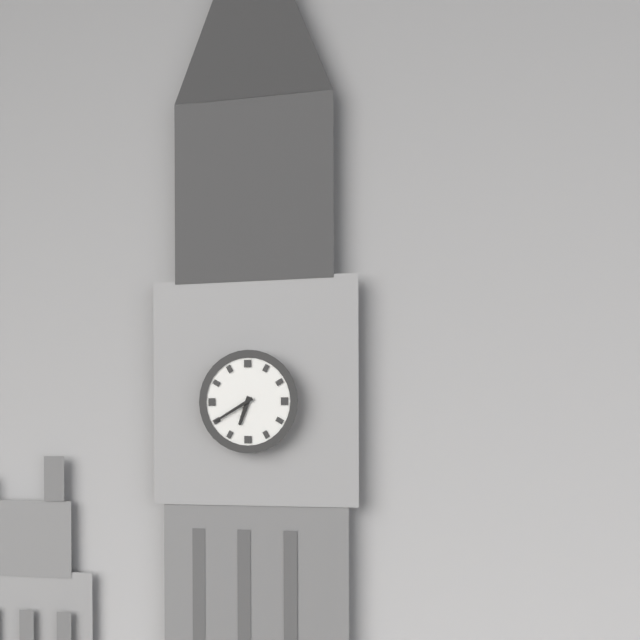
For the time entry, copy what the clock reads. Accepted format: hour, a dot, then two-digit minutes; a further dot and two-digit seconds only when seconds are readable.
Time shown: 6.40
